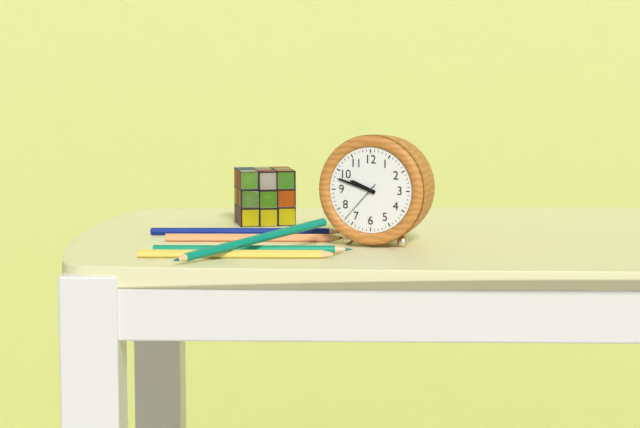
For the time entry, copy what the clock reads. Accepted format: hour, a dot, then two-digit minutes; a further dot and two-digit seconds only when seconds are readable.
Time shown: 9.48
